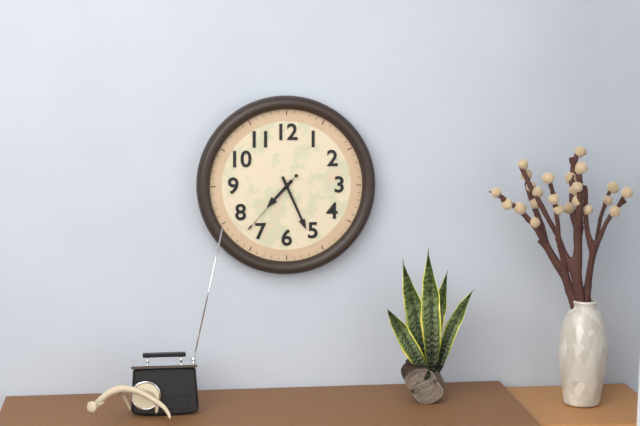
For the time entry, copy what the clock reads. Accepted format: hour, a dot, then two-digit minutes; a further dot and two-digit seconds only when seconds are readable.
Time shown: 7.26.37
